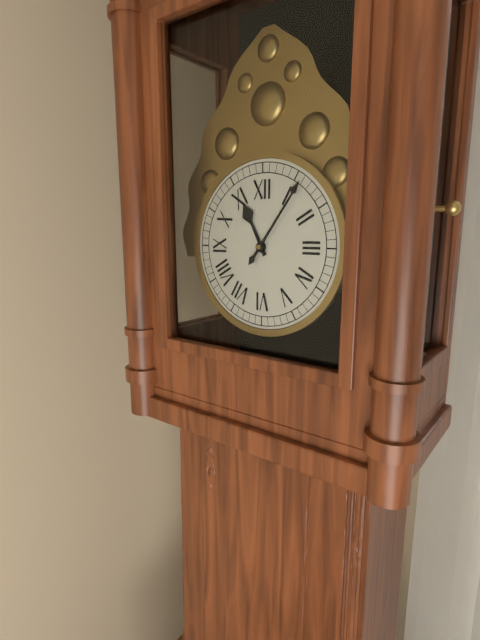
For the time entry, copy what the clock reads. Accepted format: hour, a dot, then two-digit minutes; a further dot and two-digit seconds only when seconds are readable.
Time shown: 11.06
